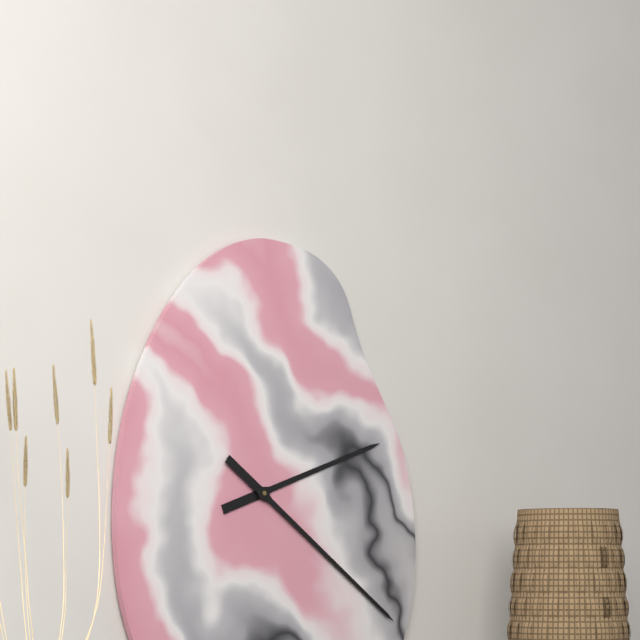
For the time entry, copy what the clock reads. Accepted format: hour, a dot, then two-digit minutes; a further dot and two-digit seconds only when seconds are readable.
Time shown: 2.21
